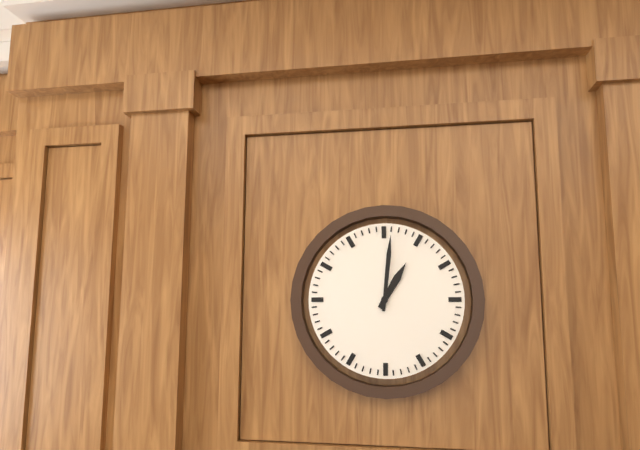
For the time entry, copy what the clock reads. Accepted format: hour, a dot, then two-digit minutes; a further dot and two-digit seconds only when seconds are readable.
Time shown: 1.01
